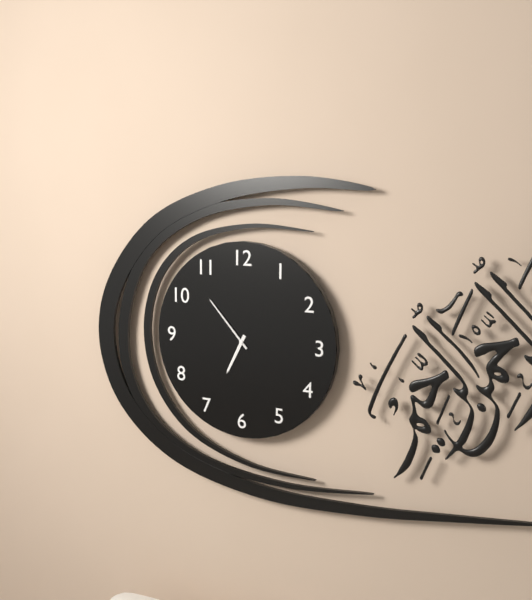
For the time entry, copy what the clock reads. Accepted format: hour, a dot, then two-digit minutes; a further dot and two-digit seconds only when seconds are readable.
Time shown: 6.53
